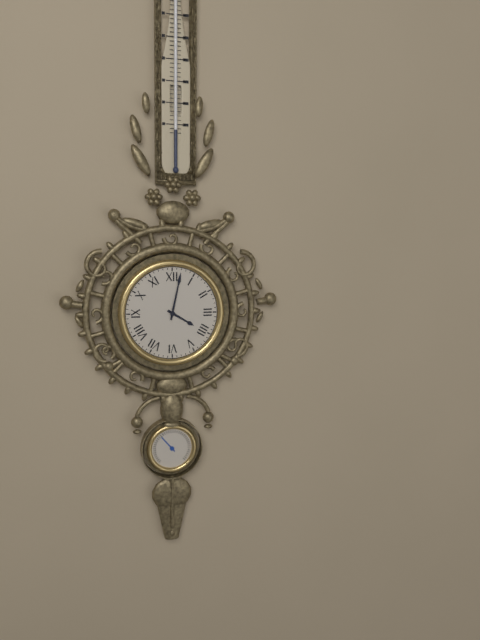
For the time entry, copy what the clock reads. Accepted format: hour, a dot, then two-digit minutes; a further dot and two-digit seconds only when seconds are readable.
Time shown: 4.02
